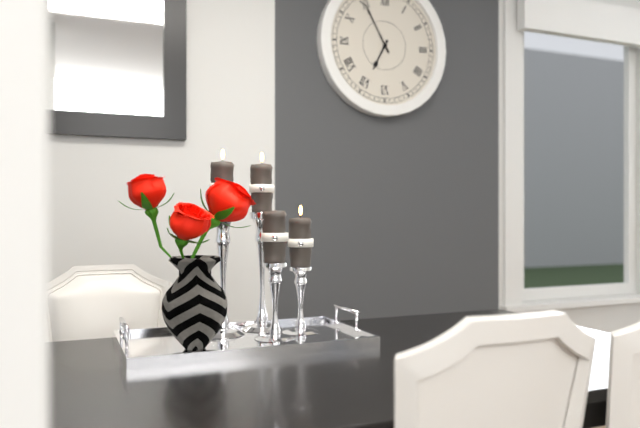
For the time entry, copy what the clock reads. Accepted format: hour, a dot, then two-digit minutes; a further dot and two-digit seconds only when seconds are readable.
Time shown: 6.55
